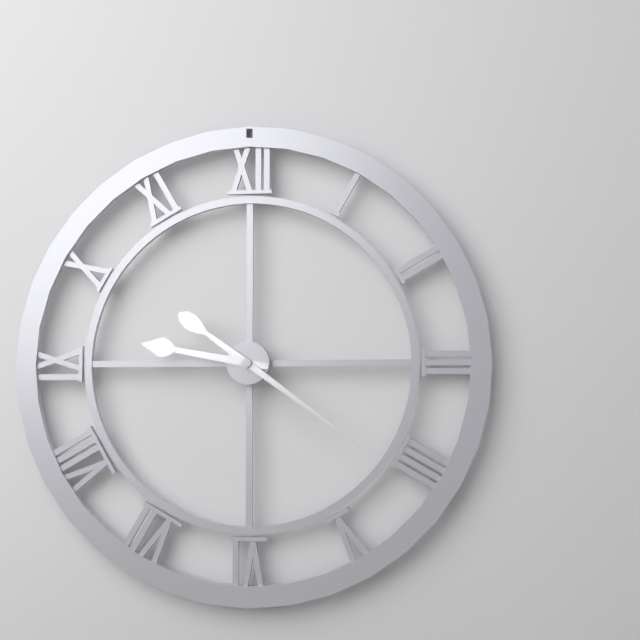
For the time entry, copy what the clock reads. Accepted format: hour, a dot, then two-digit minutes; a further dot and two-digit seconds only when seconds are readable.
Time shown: 9.21
